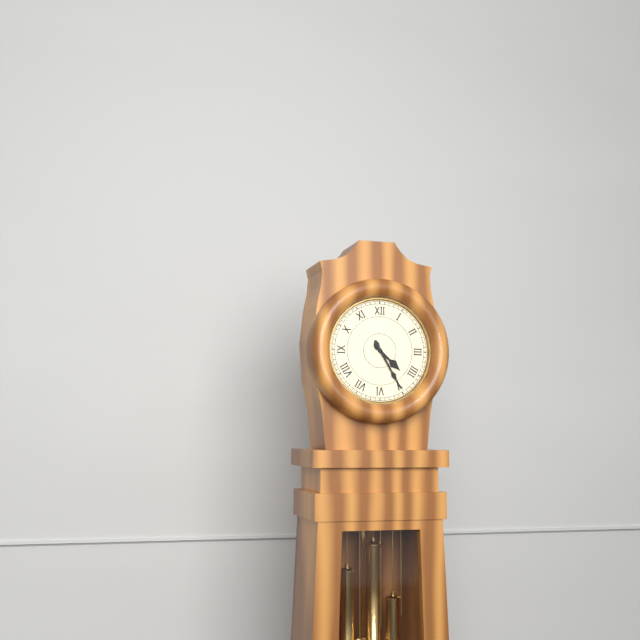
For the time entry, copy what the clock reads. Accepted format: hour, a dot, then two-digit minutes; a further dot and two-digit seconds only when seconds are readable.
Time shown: 4.25
